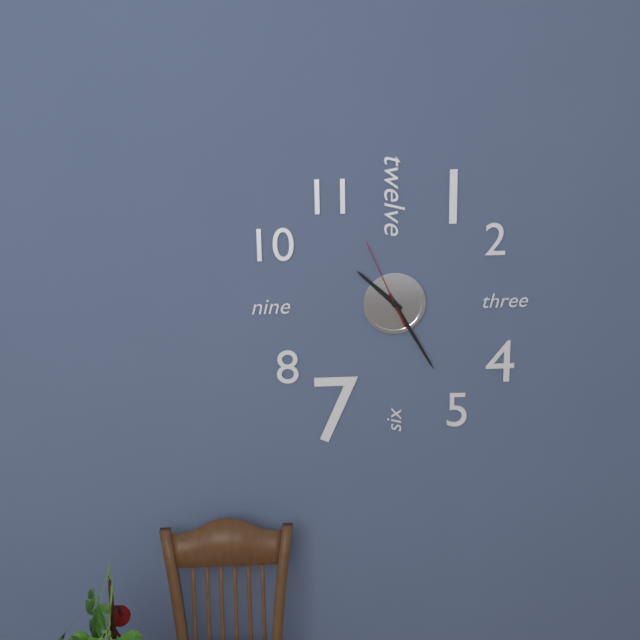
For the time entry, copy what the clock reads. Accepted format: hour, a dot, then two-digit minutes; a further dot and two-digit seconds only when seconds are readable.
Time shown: 10.25.56
